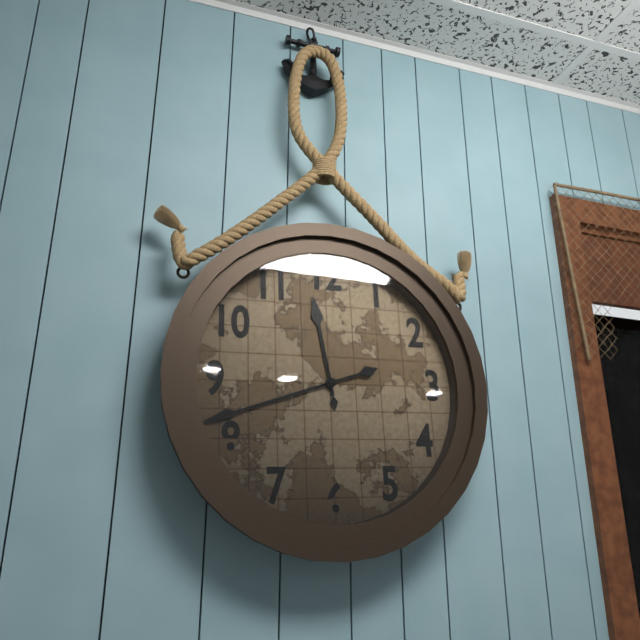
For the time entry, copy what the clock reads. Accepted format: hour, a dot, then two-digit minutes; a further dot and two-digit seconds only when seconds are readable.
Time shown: 11.42
